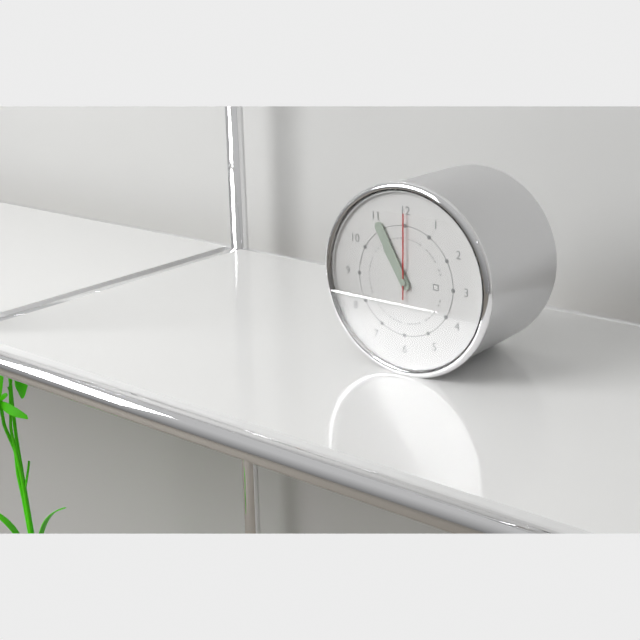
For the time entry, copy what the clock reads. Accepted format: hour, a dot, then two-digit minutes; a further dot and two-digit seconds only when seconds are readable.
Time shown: 10.55.00
